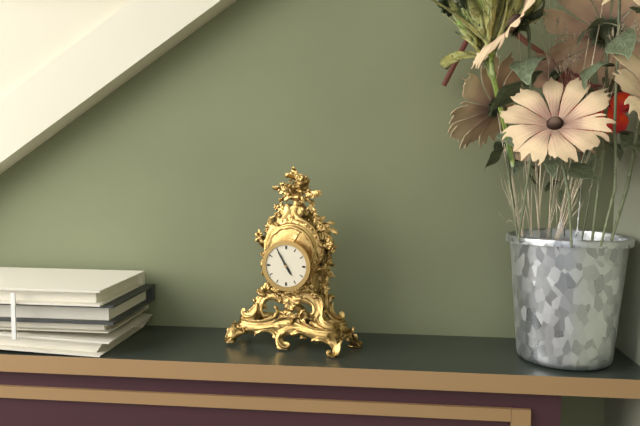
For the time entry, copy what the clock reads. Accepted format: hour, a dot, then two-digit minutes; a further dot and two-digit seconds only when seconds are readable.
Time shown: 4.55
